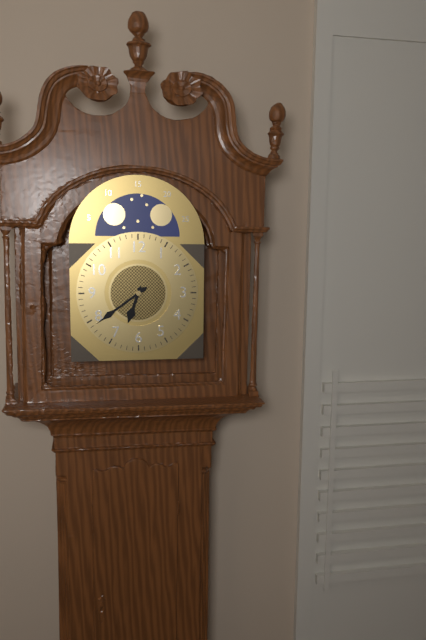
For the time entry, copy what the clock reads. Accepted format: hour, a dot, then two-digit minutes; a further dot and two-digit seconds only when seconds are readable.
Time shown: 6.39
